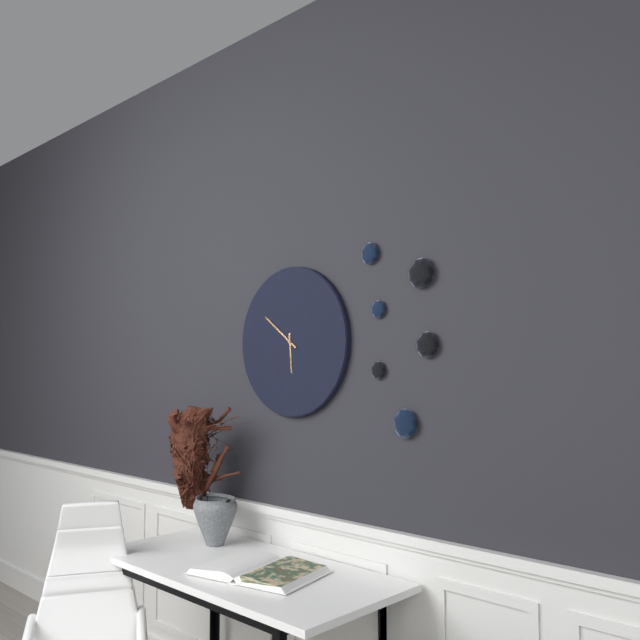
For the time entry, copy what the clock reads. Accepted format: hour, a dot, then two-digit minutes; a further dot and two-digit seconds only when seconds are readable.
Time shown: 5.51
